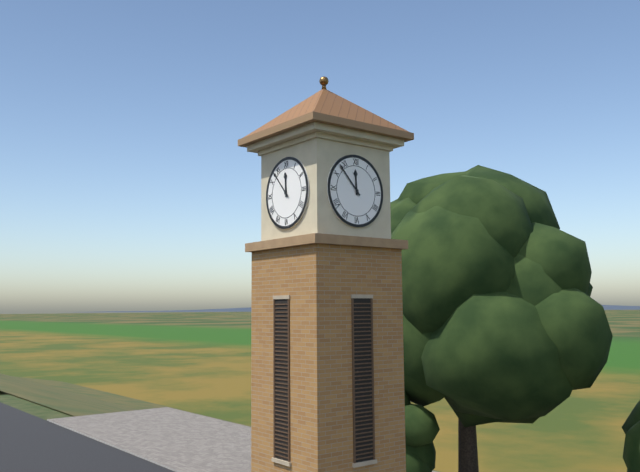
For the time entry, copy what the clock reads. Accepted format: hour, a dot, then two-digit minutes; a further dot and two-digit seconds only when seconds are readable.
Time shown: 11.53
